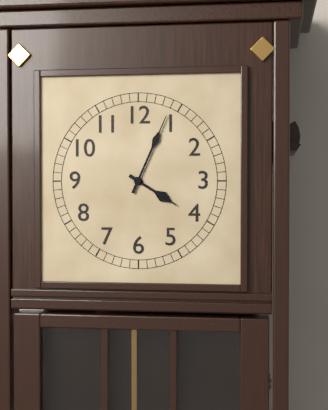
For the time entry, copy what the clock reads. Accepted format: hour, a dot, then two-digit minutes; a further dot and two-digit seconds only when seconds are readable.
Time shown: 4.04
